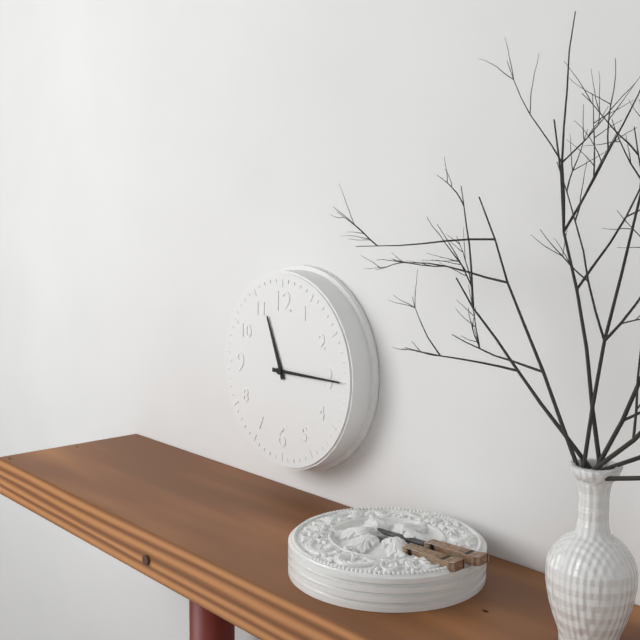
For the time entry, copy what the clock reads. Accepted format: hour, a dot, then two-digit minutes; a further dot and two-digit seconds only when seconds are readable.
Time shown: 11.15
